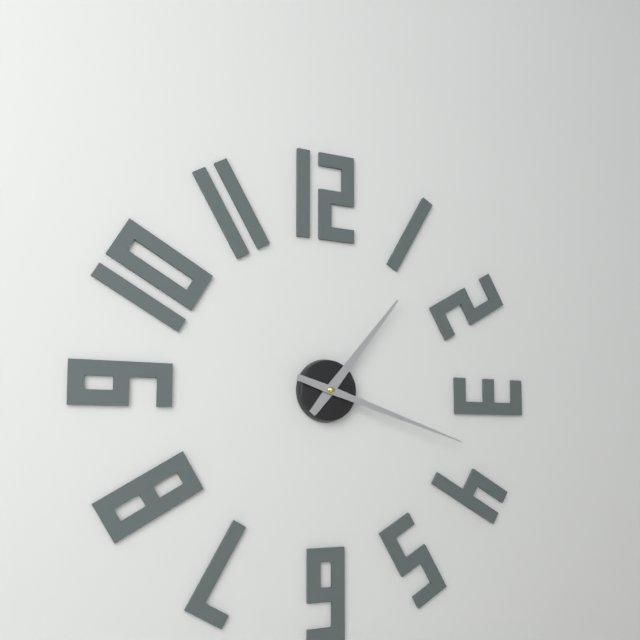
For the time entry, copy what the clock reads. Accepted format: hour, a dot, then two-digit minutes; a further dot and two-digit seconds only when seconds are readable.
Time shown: 1.18
